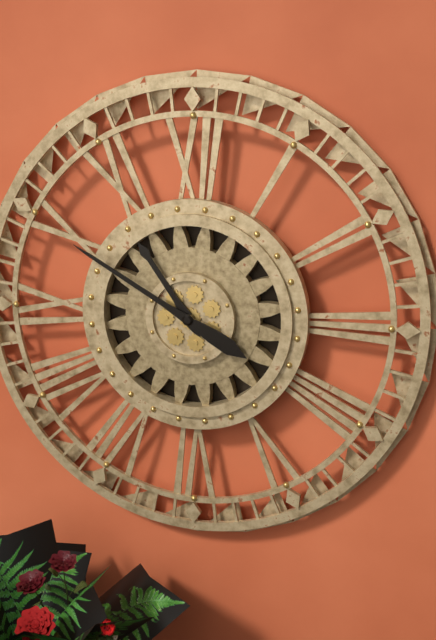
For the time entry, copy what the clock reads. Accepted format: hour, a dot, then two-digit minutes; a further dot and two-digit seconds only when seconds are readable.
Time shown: 10.50
